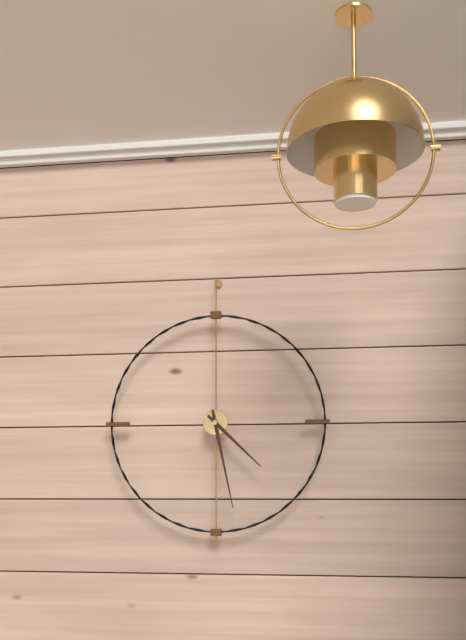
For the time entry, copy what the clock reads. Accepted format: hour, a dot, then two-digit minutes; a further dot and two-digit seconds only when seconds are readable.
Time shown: 4.28
